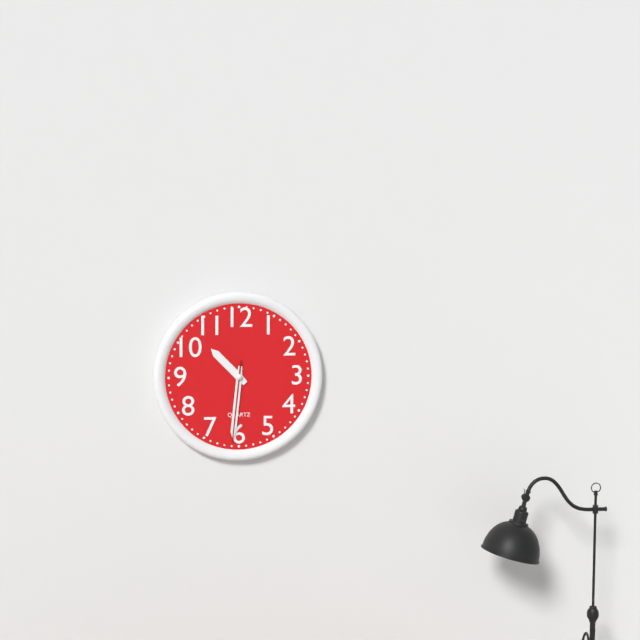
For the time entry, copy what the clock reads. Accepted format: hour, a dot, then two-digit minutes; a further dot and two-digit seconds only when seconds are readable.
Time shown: 10.31.31
